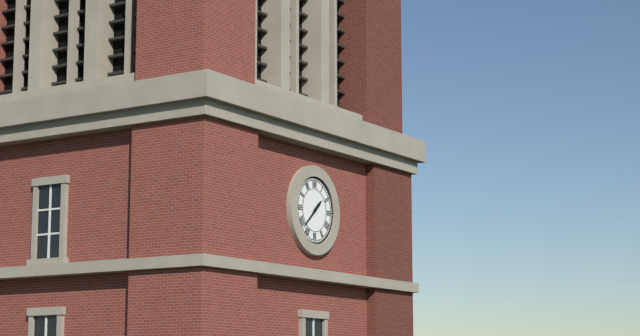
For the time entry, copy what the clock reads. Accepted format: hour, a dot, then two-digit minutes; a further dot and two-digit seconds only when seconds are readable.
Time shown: 1.38
